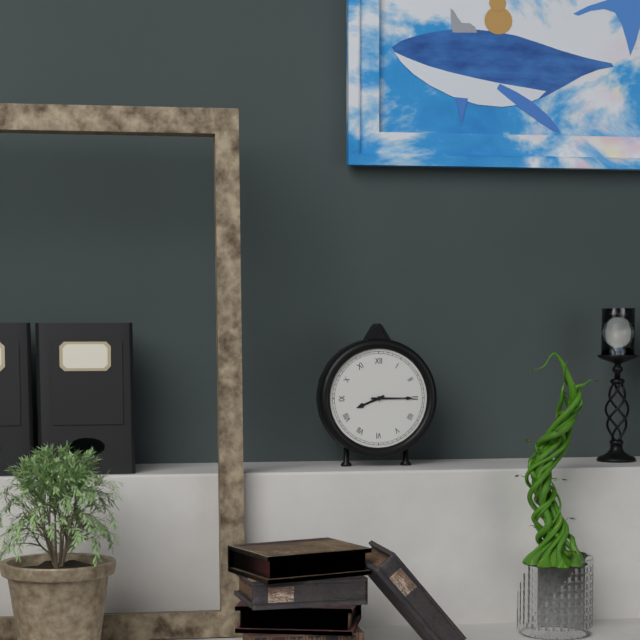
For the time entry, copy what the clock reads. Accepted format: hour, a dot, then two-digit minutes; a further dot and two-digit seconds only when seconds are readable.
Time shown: 8.15
